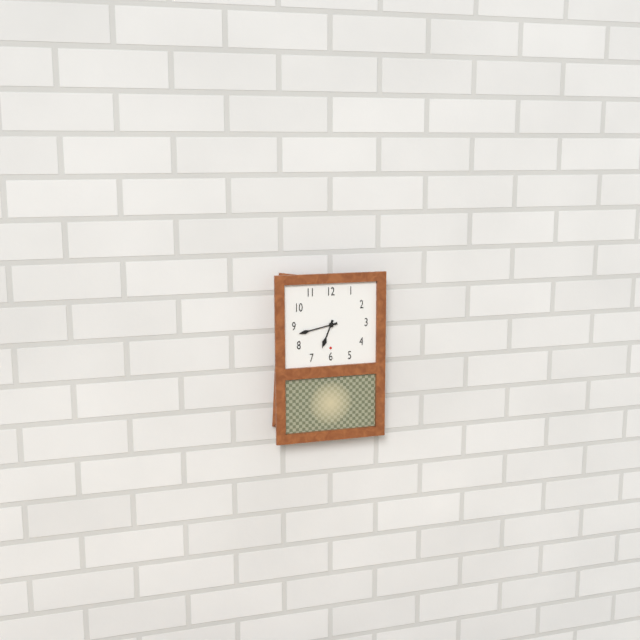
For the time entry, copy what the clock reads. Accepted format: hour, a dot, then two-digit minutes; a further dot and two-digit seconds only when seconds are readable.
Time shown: 6.43
